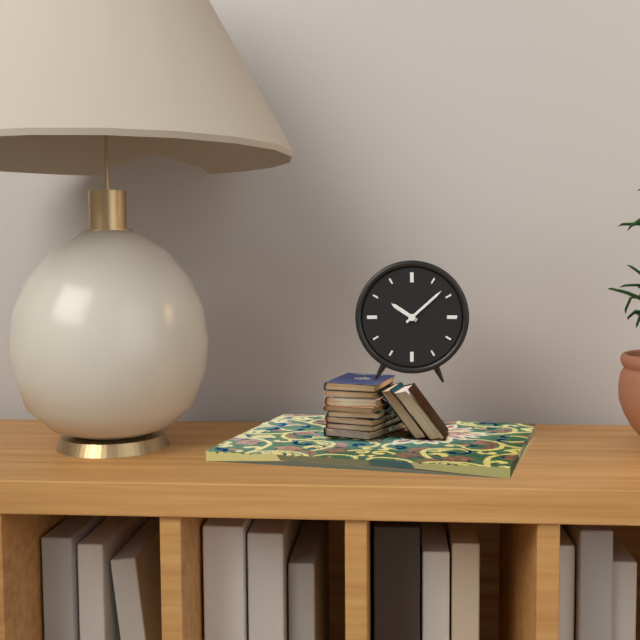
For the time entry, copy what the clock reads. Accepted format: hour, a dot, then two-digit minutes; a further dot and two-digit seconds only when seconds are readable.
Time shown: 10.08
